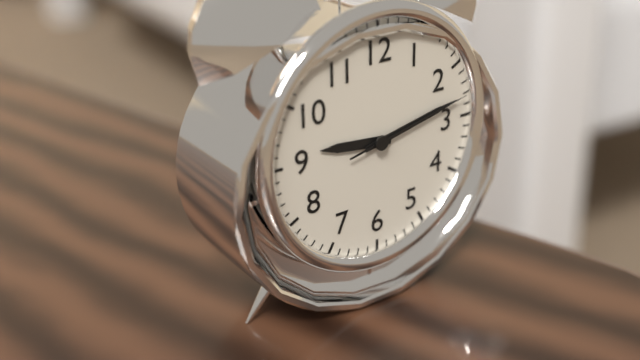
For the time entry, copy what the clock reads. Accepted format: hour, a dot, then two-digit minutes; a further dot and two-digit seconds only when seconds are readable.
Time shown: 9.13.13
